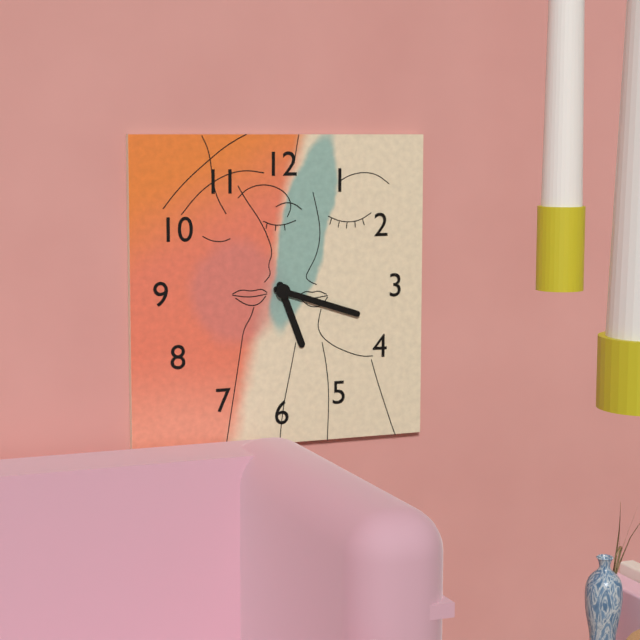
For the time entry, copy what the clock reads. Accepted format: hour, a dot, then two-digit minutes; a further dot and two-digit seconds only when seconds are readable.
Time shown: 5.18
